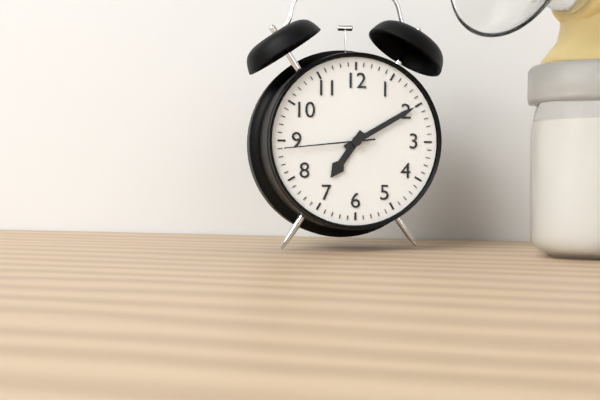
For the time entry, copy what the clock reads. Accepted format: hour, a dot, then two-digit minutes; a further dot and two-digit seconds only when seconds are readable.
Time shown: 7.10.44
